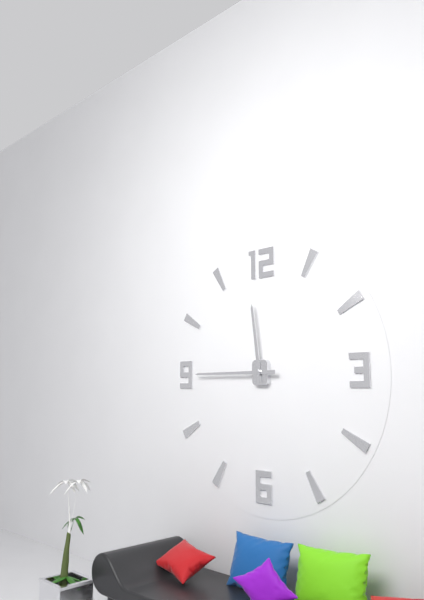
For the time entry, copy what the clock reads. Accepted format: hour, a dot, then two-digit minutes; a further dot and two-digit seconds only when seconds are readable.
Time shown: 11.45
